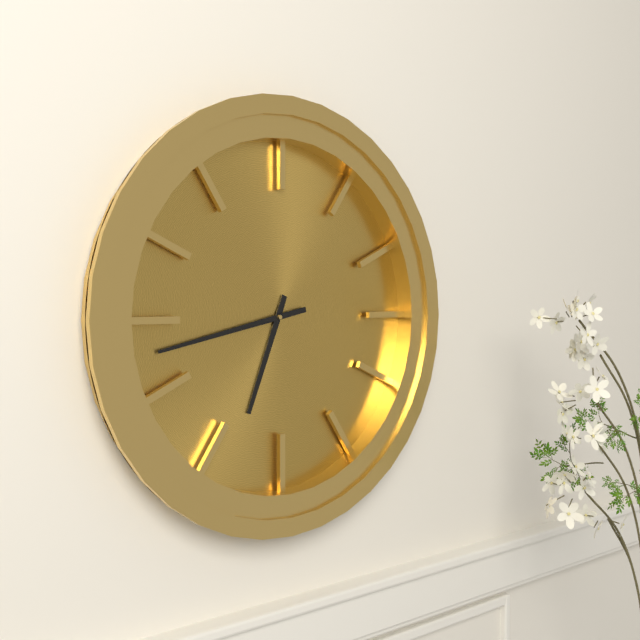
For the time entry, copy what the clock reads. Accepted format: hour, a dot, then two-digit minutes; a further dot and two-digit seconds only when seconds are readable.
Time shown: 6.43
